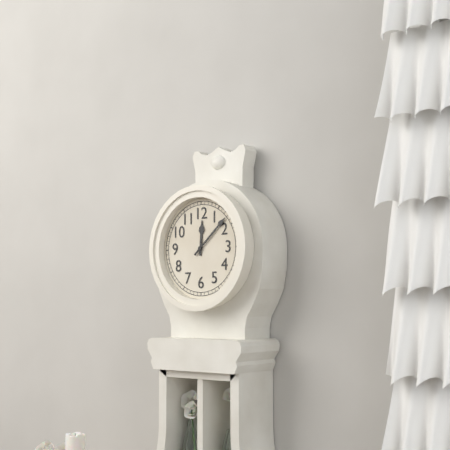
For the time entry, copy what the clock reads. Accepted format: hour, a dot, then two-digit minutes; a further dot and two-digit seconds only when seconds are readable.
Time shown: 12.08
